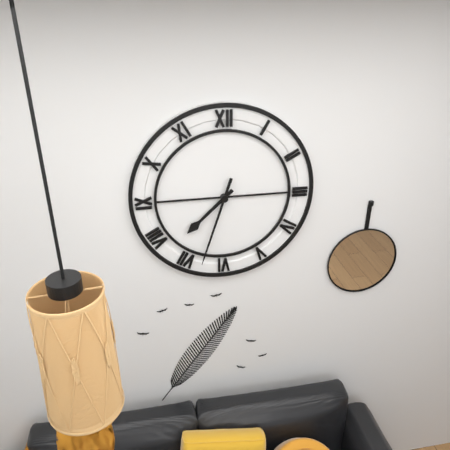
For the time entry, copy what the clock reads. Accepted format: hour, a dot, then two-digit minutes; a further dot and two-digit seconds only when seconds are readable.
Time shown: 7.33
